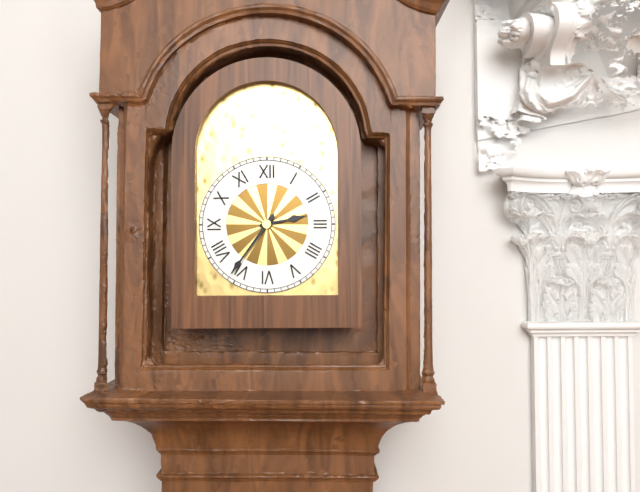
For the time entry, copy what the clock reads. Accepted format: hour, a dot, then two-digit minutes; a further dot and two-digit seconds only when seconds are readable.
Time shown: 2.36
